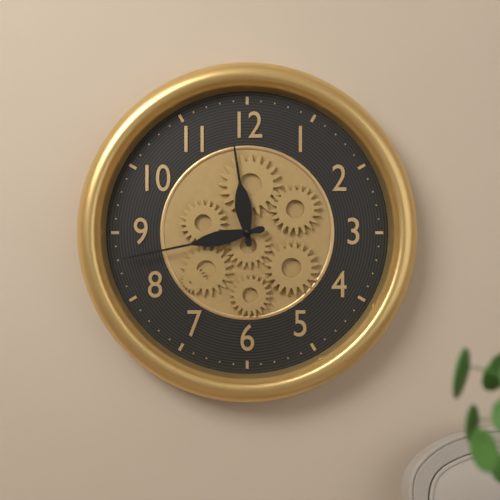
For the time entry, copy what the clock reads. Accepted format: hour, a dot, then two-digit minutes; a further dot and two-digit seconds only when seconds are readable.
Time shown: 11.43
